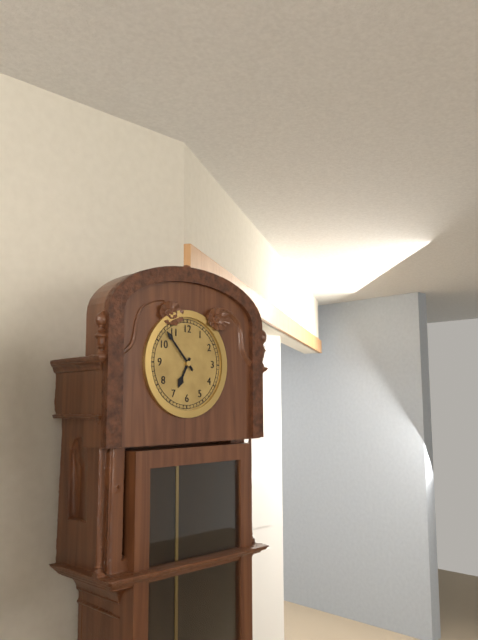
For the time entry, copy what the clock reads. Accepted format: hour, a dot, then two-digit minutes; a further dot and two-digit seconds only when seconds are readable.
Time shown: 6.53
